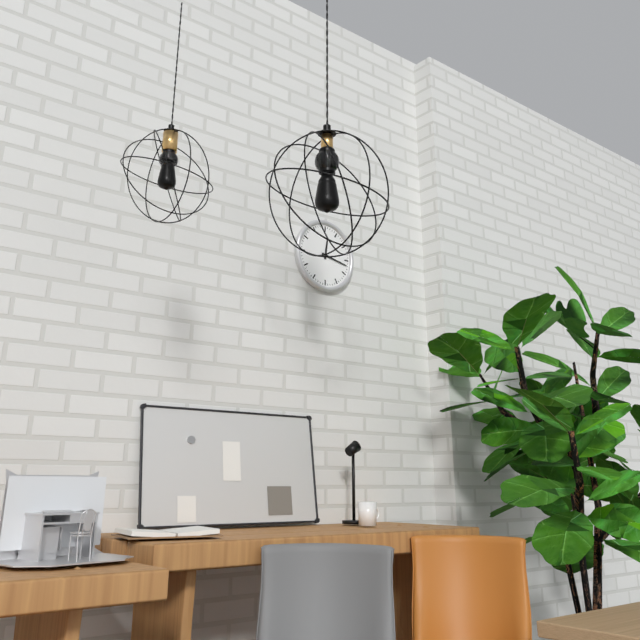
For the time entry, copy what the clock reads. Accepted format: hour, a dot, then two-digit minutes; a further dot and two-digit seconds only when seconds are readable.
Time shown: 12.17
